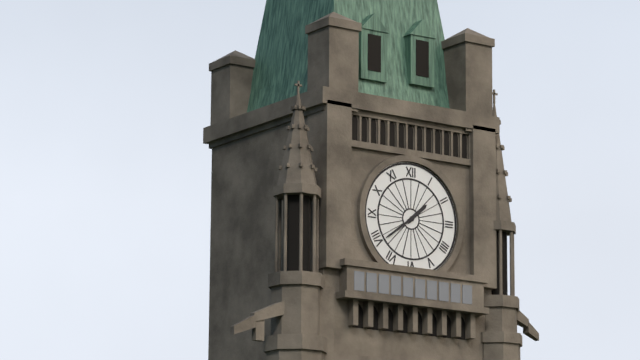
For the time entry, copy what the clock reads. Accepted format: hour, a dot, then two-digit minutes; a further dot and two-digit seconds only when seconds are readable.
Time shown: 1.39
